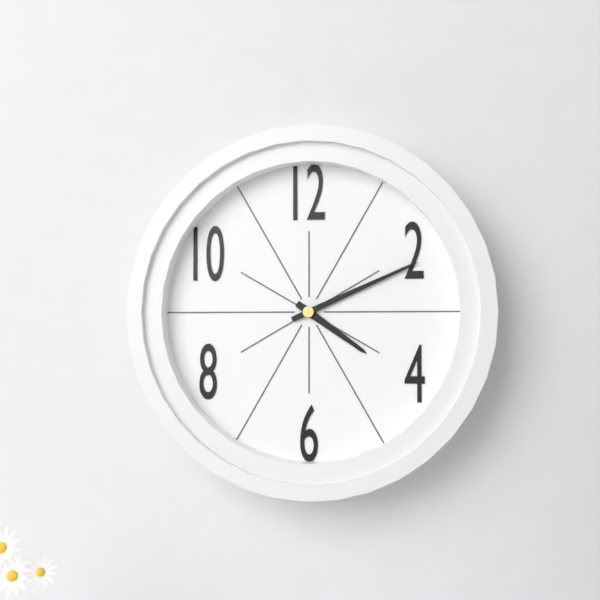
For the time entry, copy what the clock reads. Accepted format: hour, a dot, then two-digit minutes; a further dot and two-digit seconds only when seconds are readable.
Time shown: 4.11
